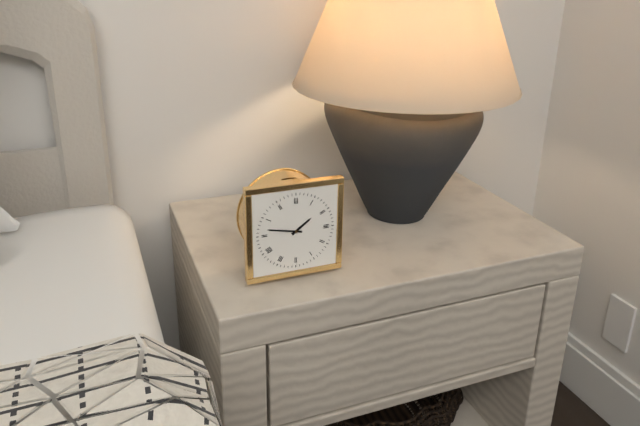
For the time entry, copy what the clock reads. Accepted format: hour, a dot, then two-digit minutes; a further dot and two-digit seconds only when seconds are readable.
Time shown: 1.47
